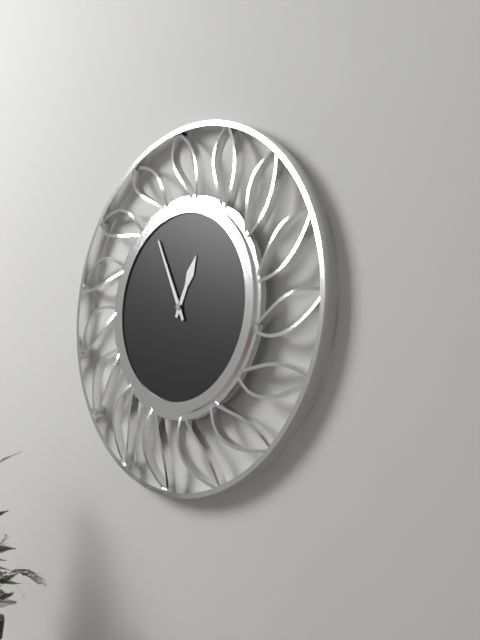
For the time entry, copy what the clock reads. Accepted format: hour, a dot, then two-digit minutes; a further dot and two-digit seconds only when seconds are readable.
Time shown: 12.56
